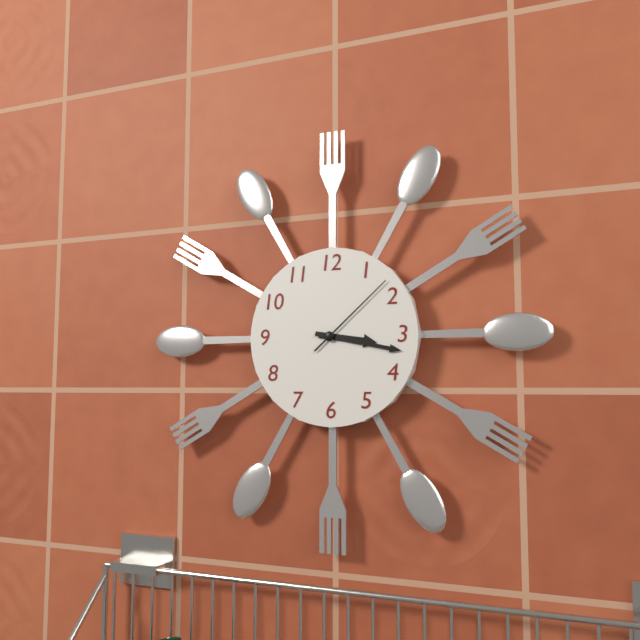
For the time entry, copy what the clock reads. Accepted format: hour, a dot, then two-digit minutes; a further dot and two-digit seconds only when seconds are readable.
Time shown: 3.17.08
